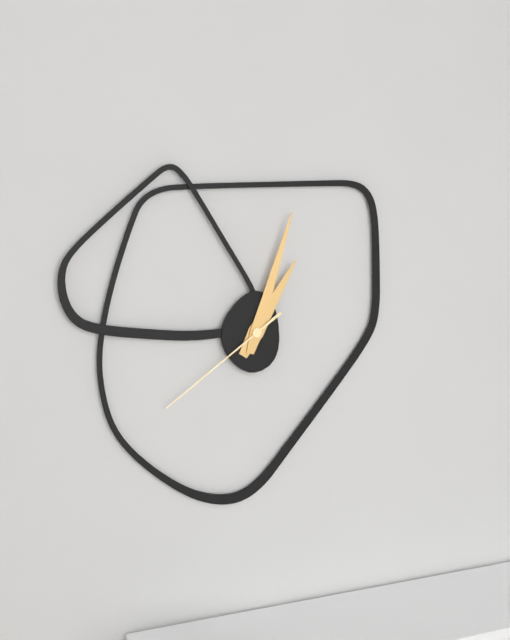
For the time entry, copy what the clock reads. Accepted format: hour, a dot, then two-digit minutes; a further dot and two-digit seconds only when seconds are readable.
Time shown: 1.03.39
